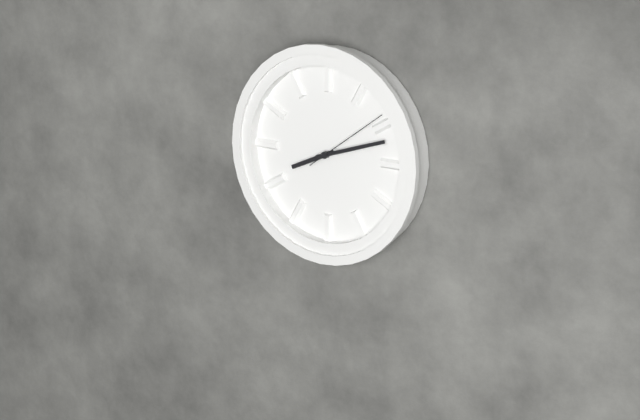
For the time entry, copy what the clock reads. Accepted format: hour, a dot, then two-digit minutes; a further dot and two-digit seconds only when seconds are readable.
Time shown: 8.12.09
